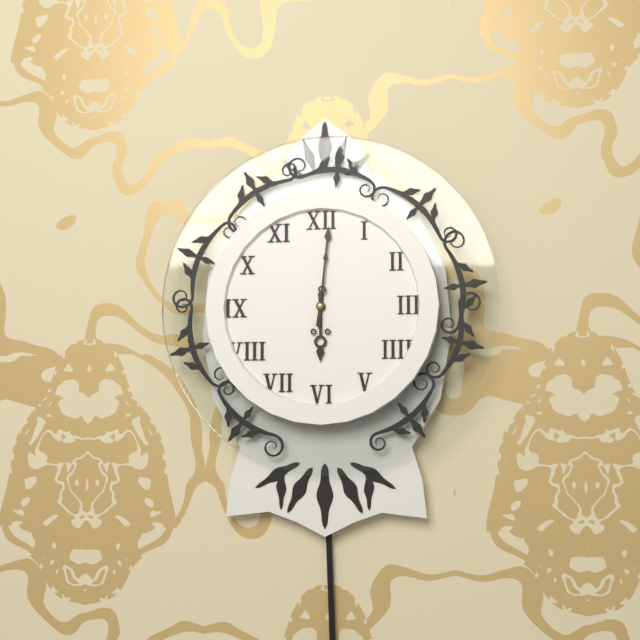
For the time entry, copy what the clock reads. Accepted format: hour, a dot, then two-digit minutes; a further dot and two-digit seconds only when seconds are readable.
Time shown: 6.01
